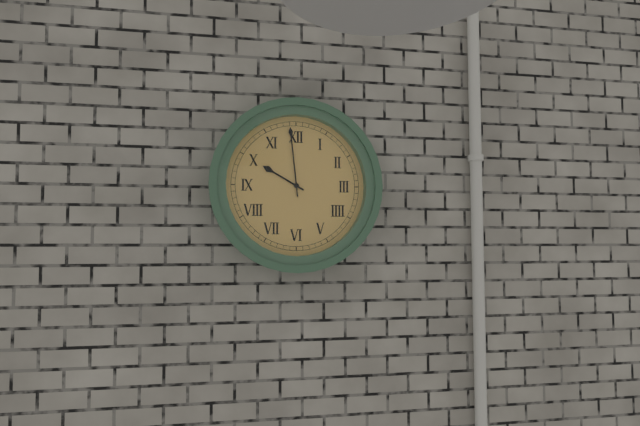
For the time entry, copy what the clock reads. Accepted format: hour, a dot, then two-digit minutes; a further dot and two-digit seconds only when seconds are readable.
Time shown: 9.59
